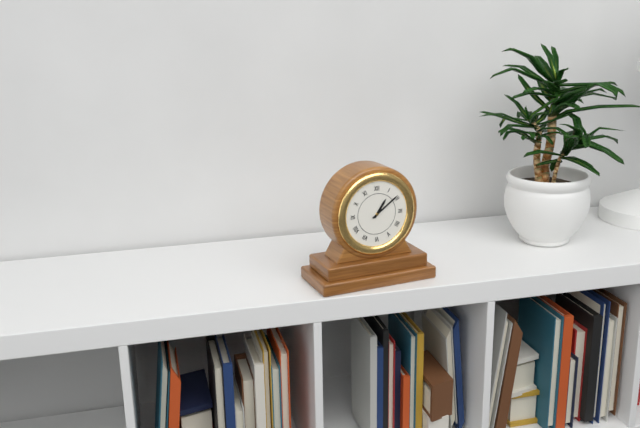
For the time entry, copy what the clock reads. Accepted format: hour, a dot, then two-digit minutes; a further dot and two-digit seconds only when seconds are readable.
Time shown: 1.09
